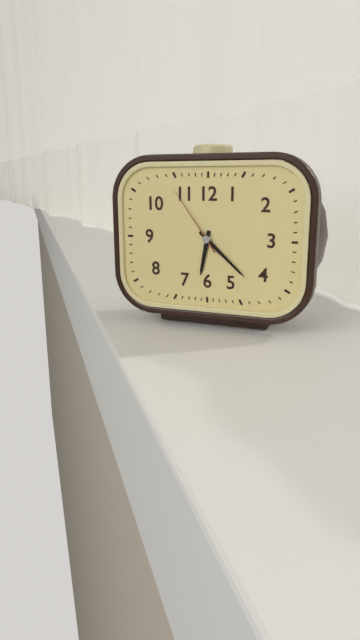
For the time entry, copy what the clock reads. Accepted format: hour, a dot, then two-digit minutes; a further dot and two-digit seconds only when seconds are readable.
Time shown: 6.22.54
